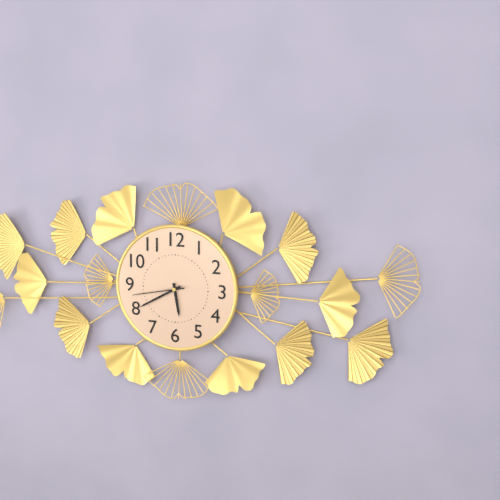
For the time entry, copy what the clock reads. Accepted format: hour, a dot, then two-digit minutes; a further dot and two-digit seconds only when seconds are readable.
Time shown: 5.40.43
